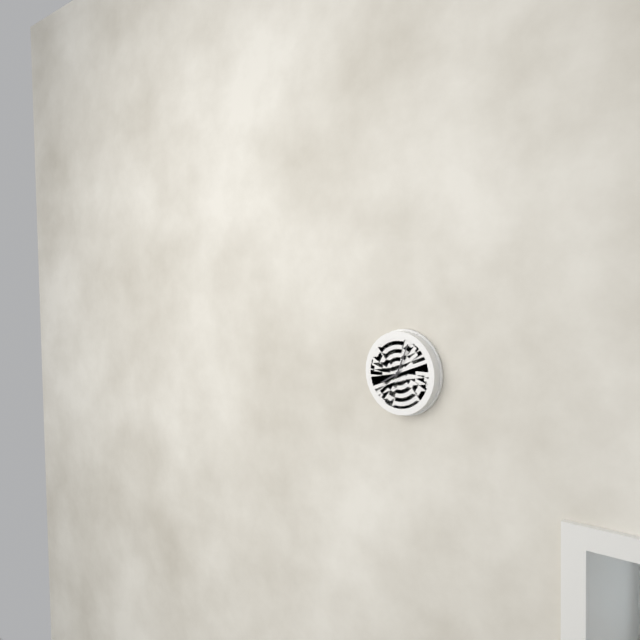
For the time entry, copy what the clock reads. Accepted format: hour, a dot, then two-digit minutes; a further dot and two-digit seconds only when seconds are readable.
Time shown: 8.04
